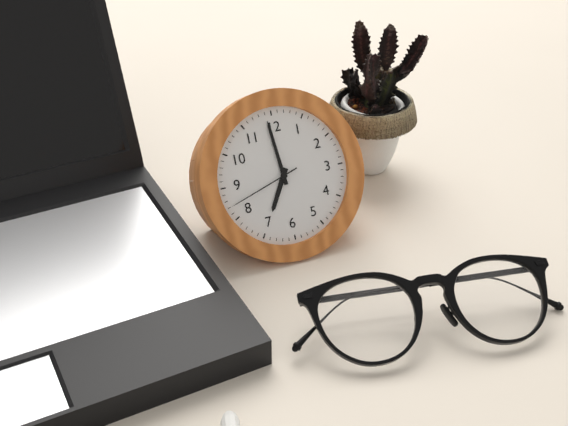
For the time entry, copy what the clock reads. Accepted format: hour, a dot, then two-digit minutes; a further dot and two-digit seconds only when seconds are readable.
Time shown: 6.59.42
